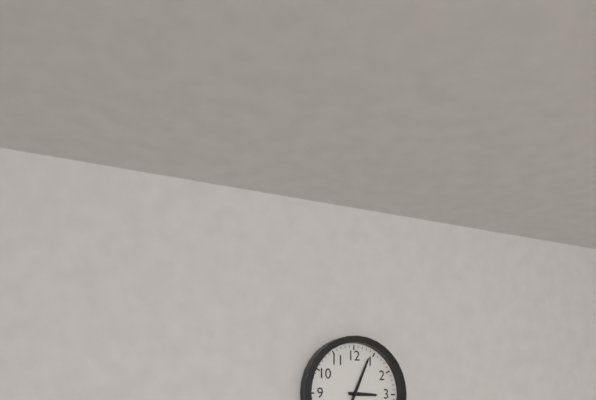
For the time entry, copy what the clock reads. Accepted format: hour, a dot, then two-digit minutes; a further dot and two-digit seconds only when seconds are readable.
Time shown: 3.04
